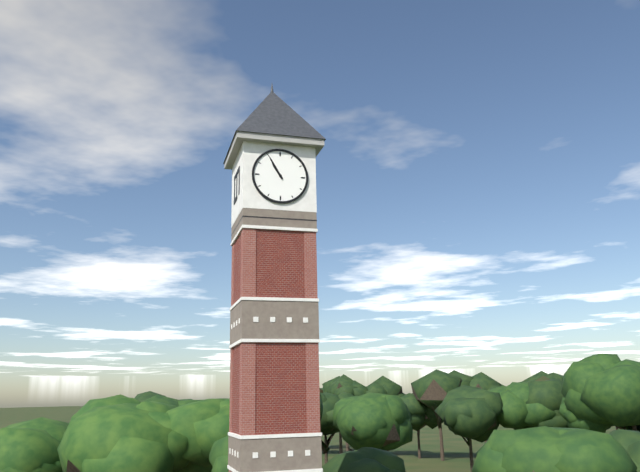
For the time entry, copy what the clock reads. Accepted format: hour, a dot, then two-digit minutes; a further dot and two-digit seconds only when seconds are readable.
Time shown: 10.55
